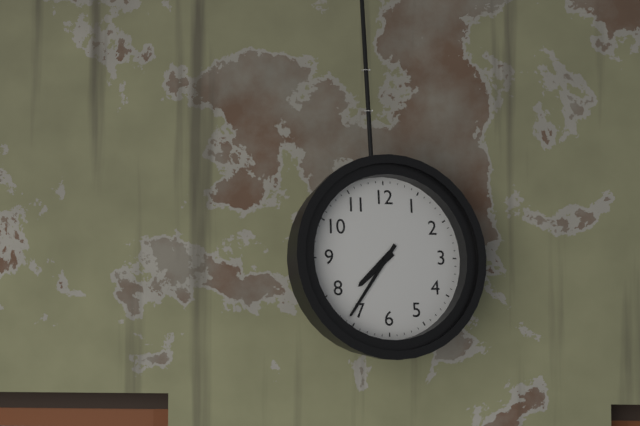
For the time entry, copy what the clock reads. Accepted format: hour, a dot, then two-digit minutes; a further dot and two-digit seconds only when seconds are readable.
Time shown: 7.36
